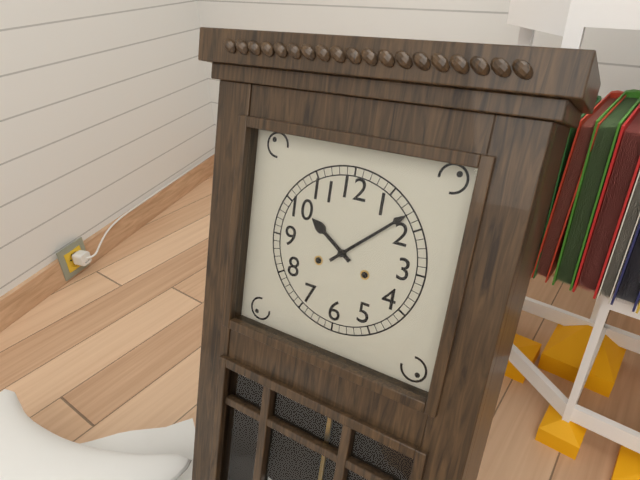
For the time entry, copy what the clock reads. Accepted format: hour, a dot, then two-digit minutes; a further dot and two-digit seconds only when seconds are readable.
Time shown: 10.08
